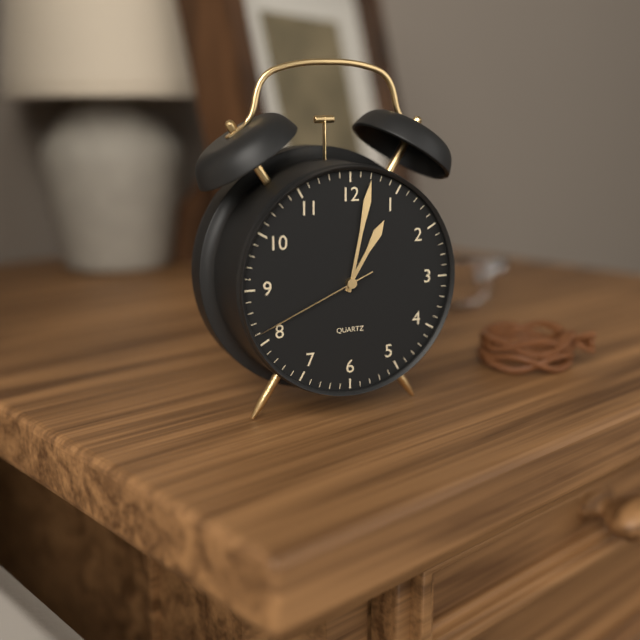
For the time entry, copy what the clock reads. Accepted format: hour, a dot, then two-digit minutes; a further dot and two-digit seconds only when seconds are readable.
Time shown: 1.02.41
